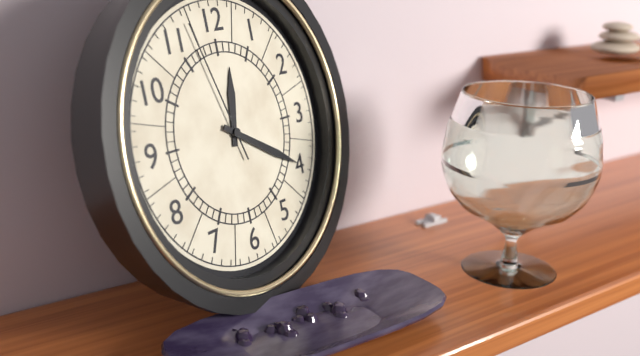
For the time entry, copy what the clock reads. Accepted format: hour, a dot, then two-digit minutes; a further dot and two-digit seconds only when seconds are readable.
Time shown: 12.20.57
